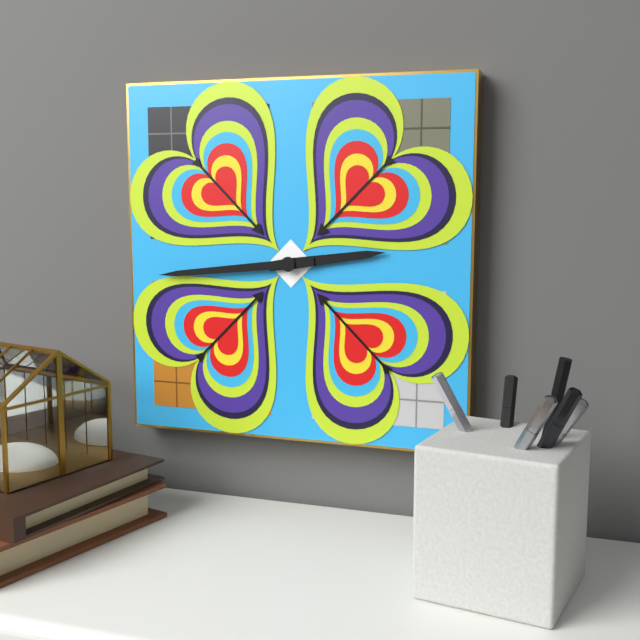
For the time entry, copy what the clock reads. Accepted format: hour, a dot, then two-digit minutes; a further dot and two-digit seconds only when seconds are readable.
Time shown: 2.44
